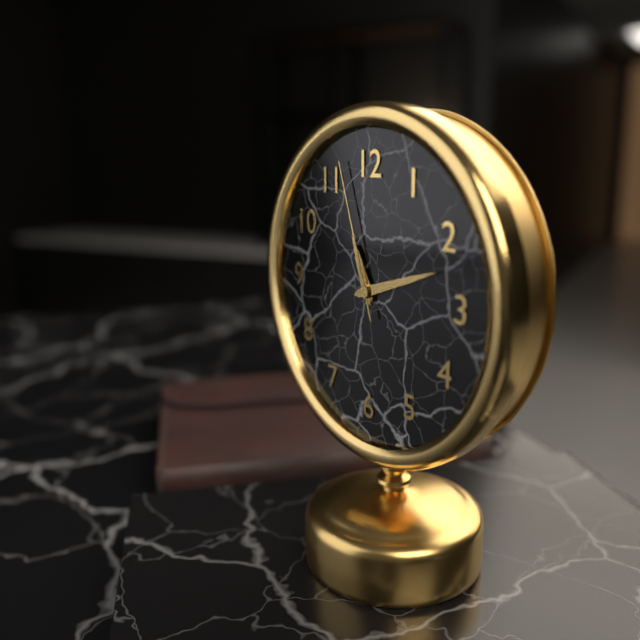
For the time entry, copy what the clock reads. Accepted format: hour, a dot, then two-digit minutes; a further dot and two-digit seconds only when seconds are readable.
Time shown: 11.12.57
